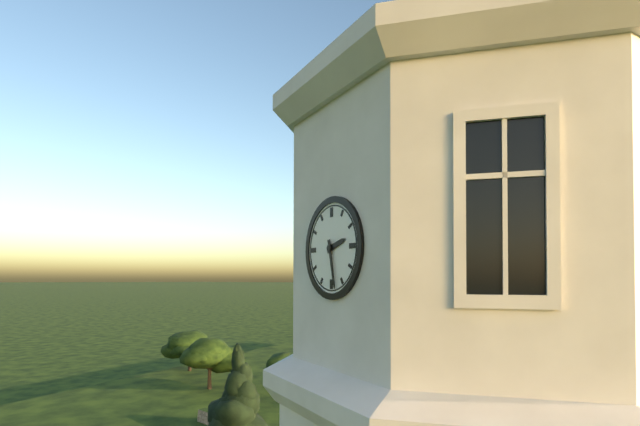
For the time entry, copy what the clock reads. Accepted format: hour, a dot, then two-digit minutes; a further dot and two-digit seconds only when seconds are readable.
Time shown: 2.28
